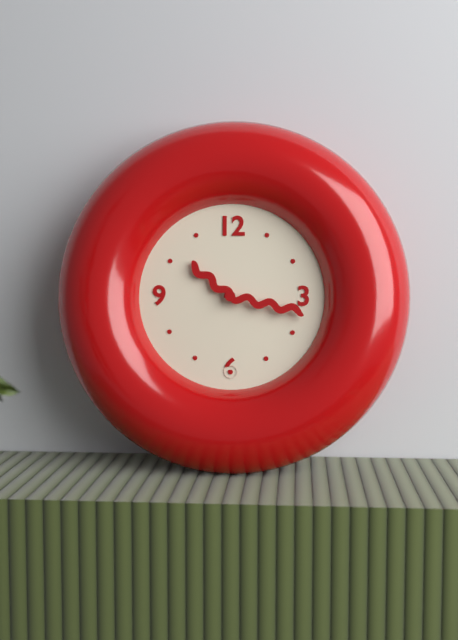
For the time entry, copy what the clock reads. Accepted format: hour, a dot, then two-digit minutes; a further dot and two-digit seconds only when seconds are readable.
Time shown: 10.17
